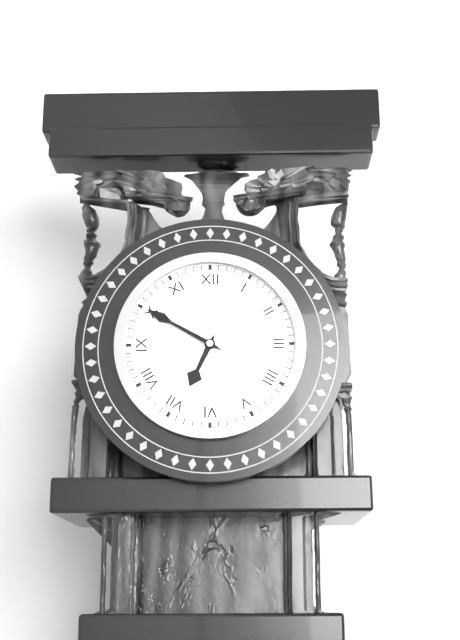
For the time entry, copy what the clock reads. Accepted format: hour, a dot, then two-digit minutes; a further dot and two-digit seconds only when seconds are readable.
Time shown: 6.50
